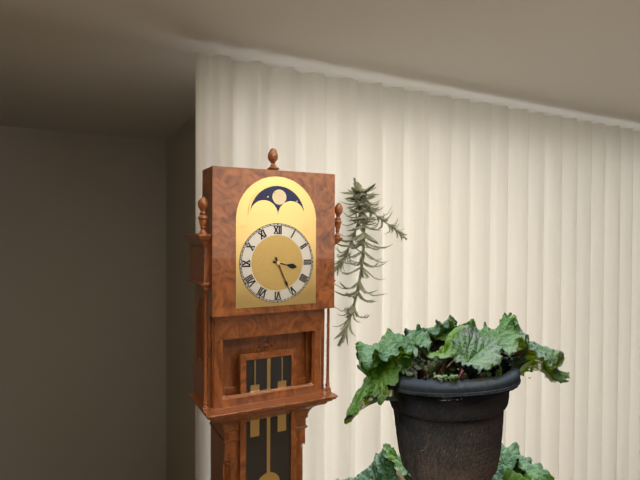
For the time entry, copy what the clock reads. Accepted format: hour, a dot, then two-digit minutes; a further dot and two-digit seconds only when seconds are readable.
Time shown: 3.26
